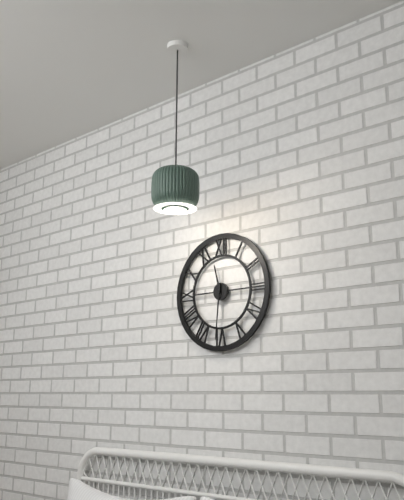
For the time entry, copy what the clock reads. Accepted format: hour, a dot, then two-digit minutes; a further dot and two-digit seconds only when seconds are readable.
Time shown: 11.31
